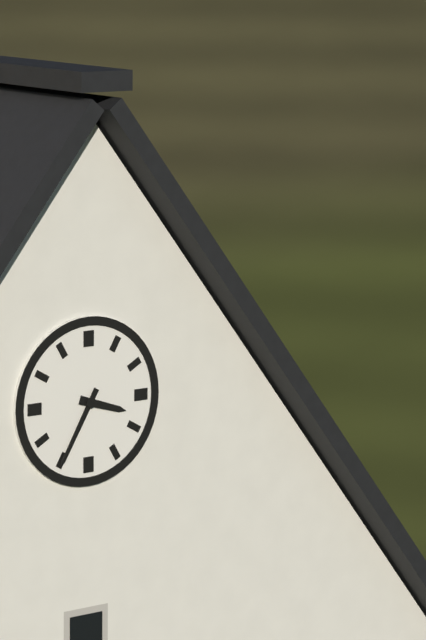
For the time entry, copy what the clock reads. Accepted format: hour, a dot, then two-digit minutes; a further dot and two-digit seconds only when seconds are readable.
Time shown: 3.35
